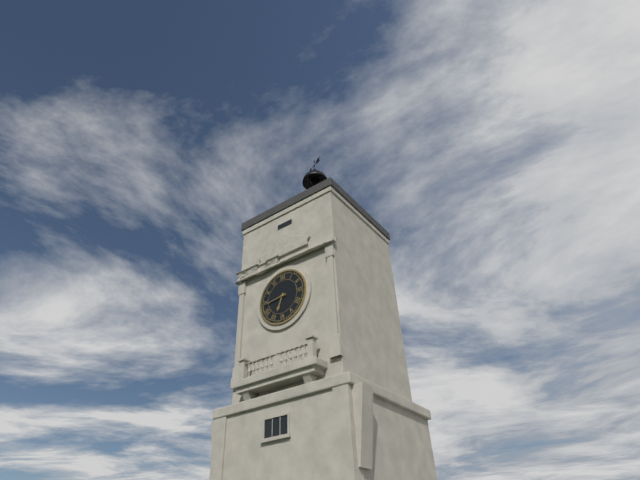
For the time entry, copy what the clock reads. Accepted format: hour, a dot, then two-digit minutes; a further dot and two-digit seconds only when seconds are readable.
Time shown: 6.44
